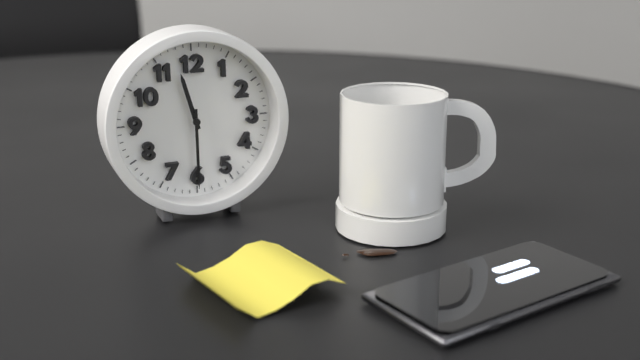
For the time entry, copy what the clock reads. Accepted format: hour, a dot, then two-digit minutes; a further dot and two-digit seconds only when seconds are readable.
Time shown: 11.30
